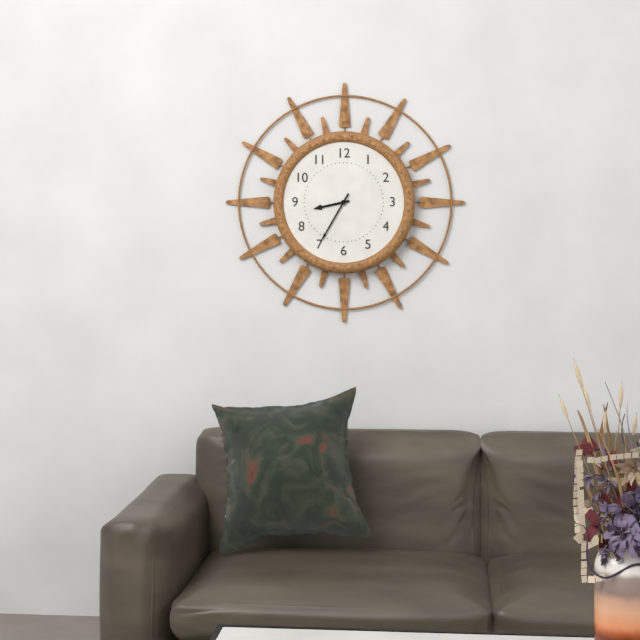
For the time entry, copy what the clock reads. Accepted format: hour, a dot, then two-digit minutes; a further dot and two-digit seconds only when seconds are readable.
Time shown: 8.35
